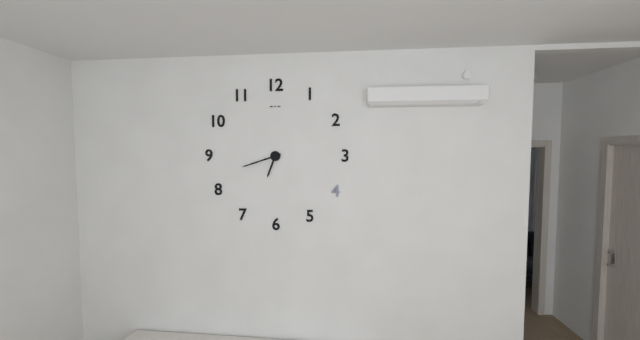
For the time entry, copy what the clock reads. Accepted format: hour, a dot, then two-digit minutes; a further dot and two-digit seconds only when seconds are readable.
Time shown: 6.42
